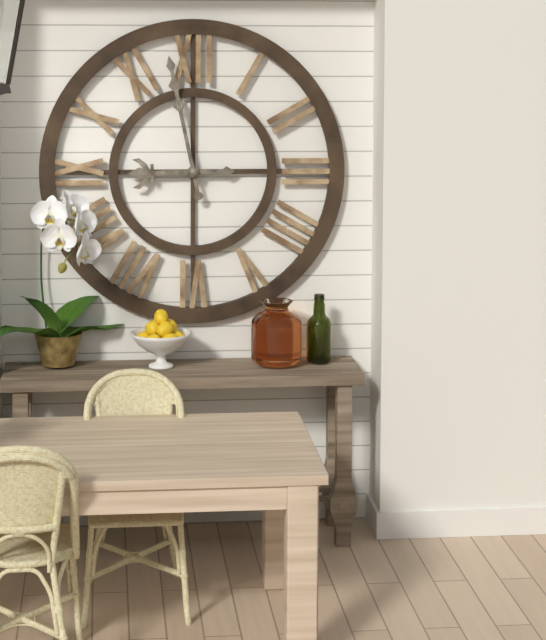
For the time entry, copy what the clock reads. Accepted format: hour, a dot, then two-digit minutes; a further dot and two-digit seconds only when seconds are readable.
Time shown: 8.58
